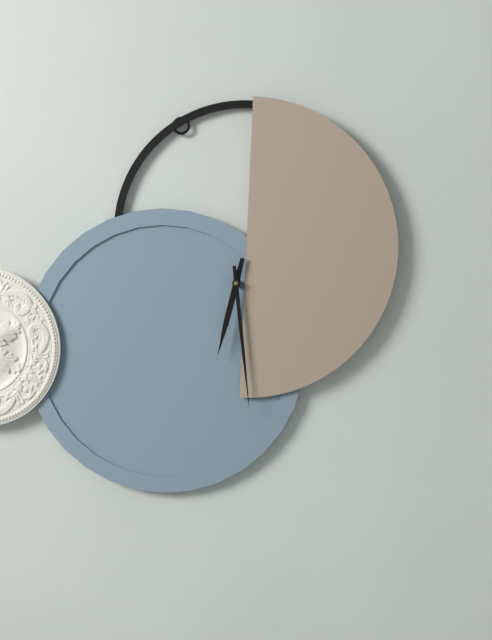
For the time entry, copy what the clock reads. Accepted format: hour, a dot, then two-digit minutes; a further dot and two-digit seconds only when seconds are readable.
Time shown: 6.29
